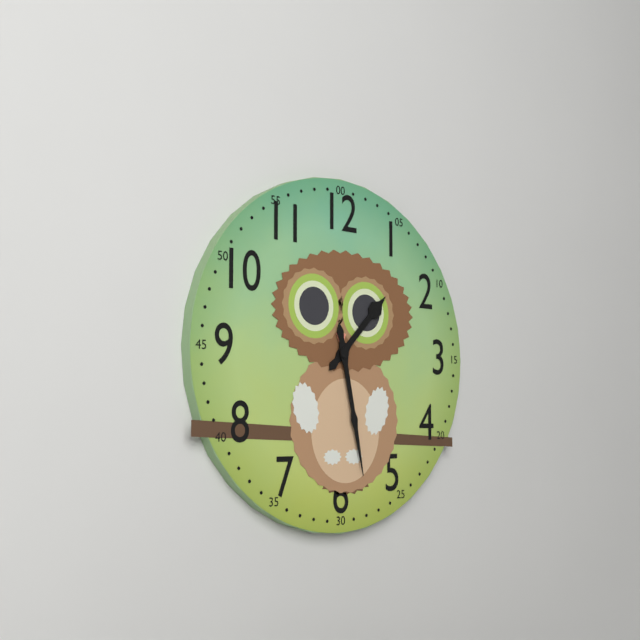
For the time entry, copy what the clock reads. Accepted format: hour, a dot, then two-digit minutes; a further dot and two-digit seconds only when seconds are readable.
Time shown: 1.28
